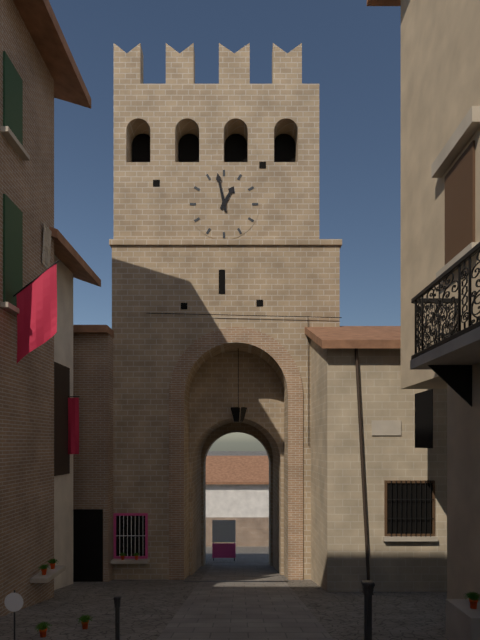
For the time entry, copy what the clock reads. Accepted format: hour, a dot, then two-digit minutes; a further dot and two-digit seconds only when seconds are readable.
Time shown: 12.58
